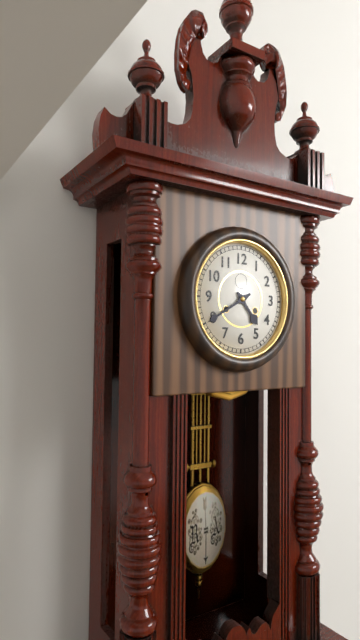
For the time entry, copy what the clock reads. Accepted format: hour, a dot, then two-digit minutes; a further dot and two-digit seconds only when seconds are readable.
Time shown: 4.40
